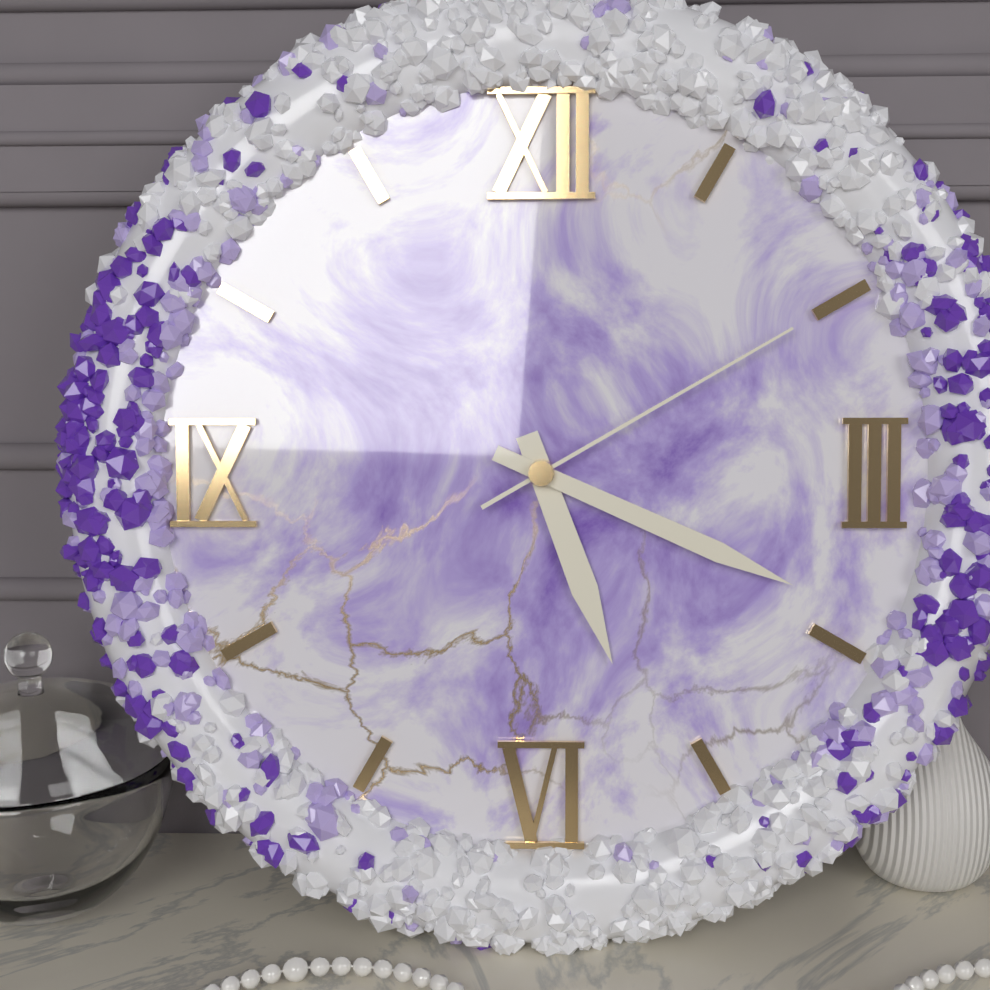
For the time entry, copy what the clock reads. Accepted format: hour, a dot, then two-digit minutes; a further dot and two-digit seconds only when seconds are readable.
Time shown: 5.19.10
